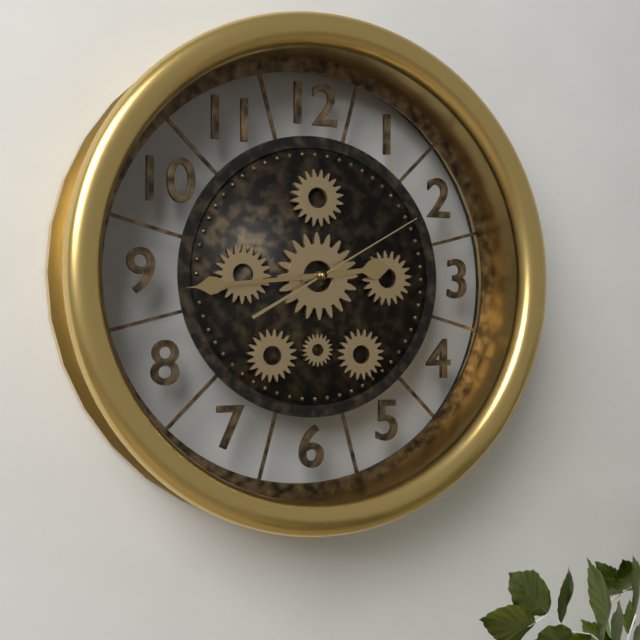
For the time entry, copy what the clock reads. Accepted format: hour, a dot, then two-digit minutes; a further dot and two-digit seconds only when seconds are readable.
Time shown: 2.44.10
